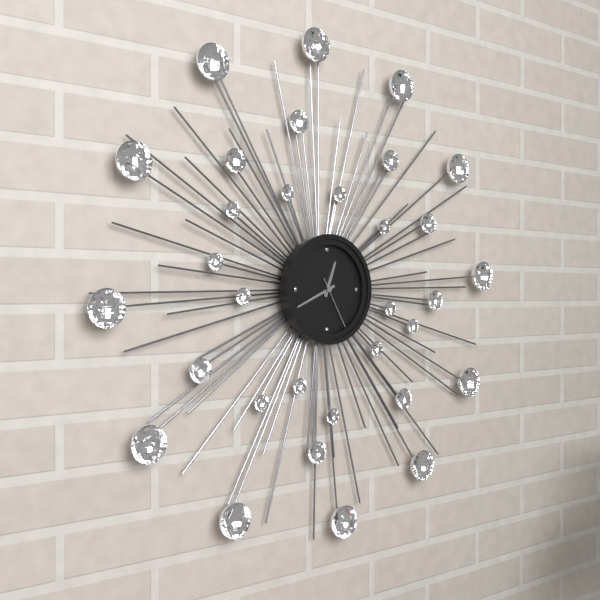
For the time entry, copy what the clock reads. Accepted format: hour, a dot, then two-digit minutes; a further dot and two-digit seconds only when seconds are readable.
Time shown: 12.41.25
